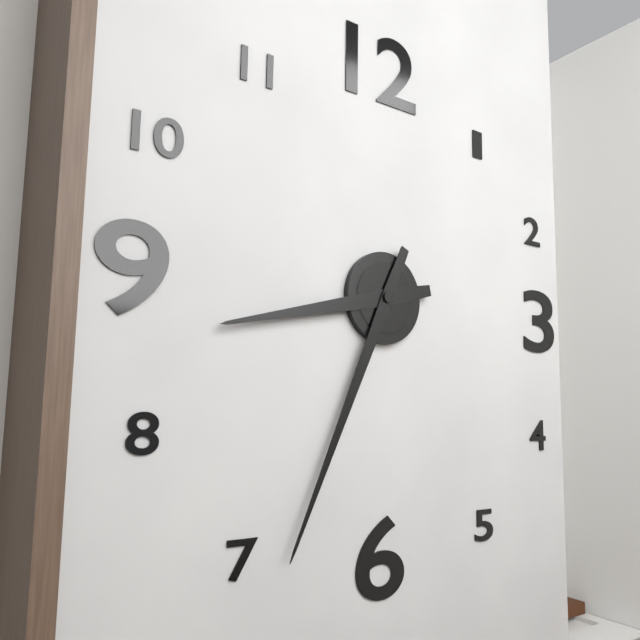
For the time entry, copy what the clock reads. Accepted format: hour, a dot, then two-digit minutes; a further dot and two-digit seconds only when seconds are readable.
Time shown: 8.34
